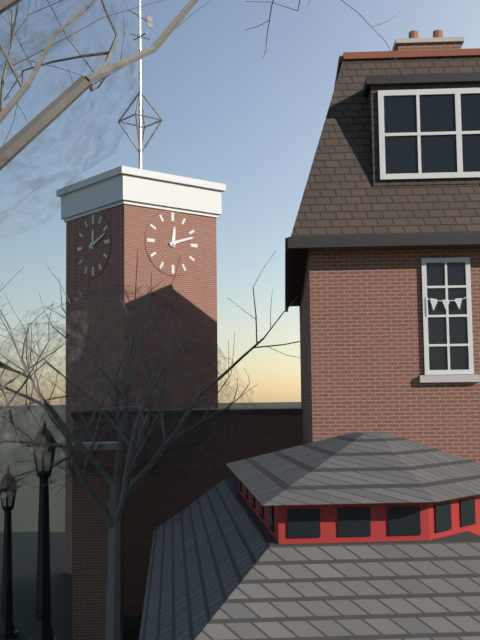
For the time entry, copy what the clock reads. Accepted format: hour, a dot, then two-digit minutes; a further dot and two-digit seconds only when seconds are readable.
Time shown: 12.12
